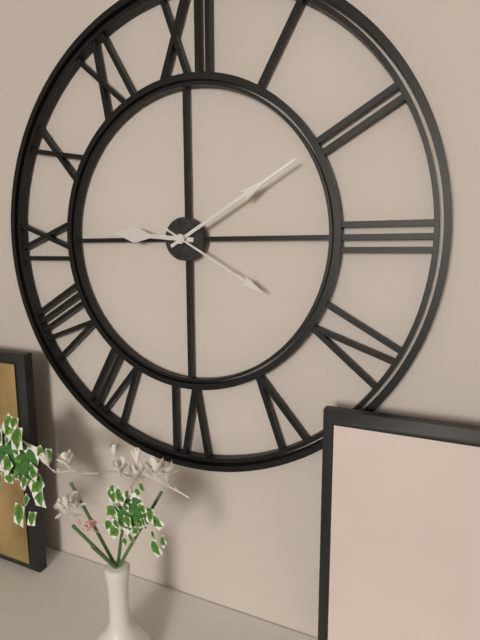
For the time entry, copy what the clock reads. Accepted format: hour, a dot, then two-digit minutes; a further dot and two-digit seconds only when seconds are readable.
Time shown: 9.10.20
